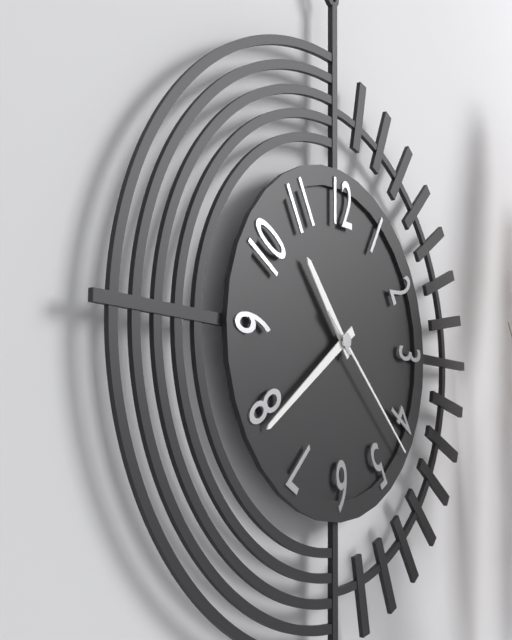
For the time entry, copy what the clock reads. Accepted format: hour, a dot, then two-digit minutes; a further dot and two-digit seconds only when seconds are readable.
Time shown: 10.39.22
